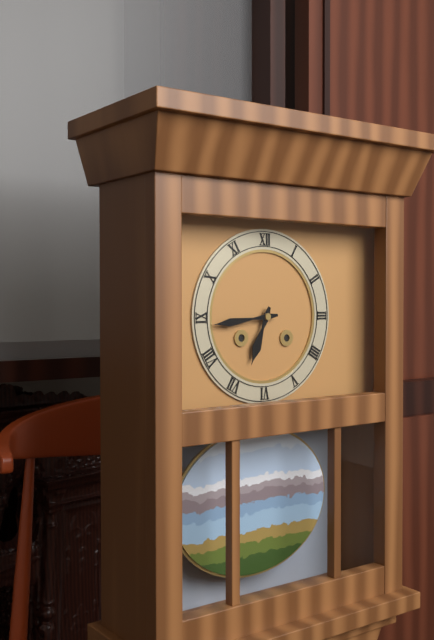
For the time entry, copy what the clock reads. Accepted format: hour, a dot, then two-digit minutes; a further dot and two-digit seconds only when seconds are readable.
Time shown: 6.44
